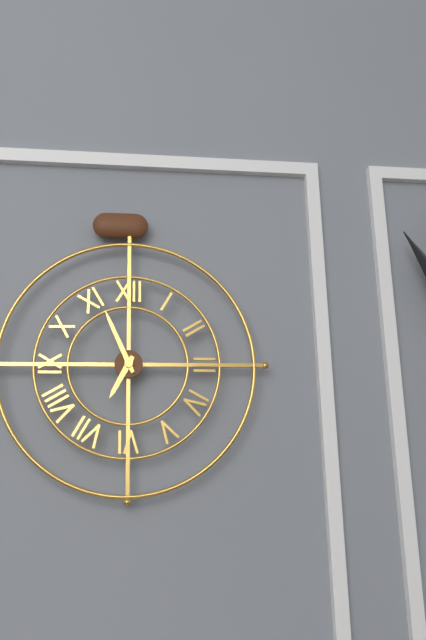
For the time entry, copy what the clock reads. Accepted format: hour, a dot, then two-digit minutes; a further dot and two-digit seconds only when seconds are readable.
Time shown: 6.56
